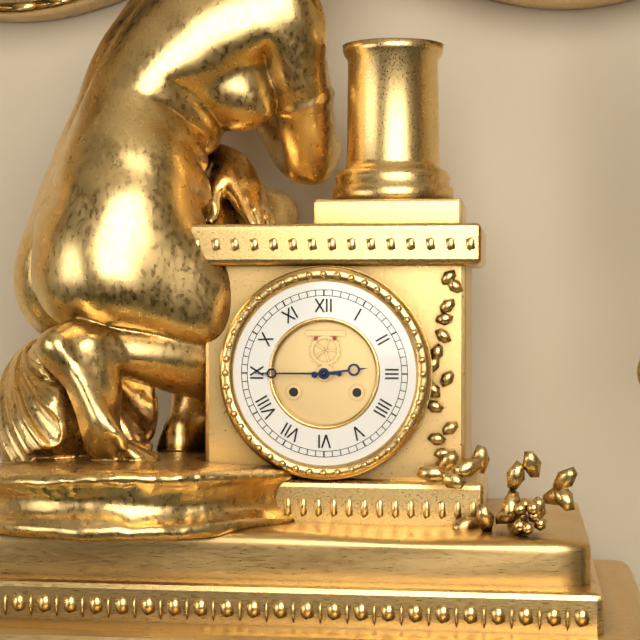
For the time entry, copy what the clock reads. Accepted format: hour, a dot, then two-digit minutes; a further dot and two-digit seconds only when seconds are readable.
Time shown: 2.45
